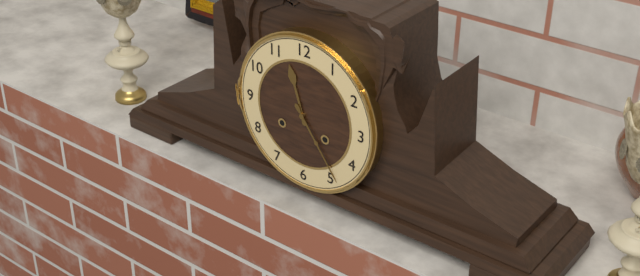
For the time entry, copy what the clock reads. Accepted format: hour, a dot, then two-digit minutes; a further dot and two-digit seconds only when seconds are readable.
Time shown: 11.24
